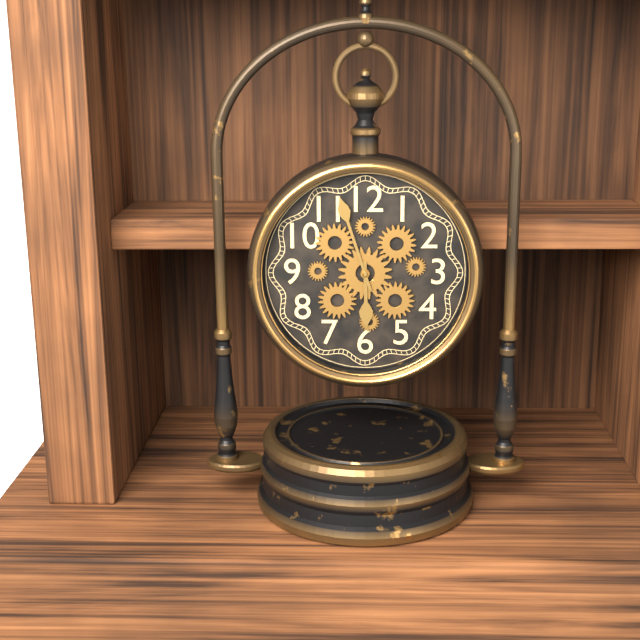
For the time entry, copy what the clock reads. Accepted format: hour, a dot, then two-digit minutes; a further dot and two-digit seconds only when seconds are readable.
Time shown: 5.57
